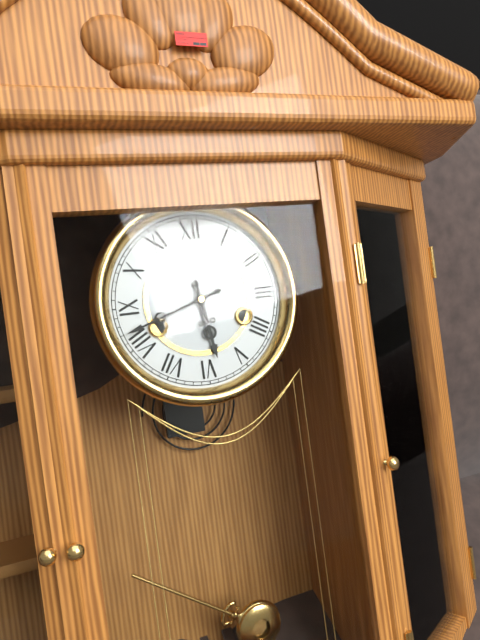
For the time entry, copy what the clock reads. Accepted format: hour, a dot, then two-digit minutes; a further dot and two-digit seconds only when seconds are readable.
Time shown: 5.42
